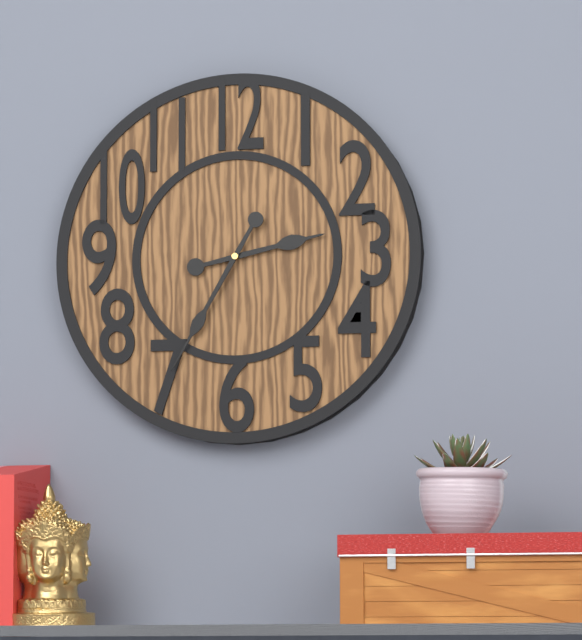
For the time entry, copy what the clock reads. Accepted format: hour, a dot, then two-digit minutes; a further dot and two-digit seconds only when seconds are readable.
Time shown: 2.35
